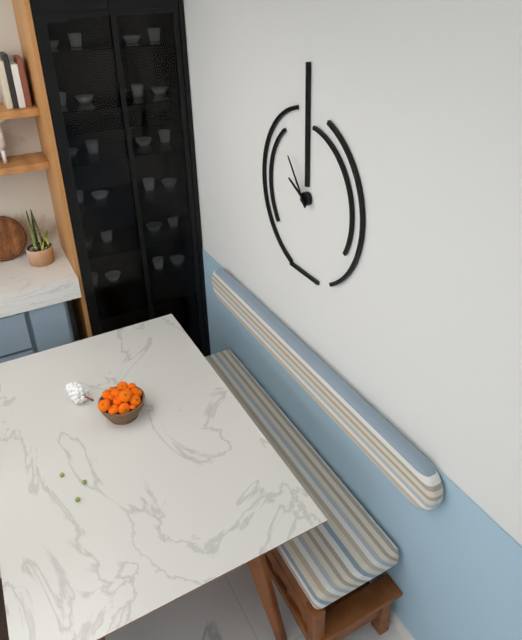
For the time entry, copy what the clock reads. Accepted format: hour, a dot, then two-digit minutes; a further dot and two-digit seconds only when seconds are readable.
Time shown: 9.54
